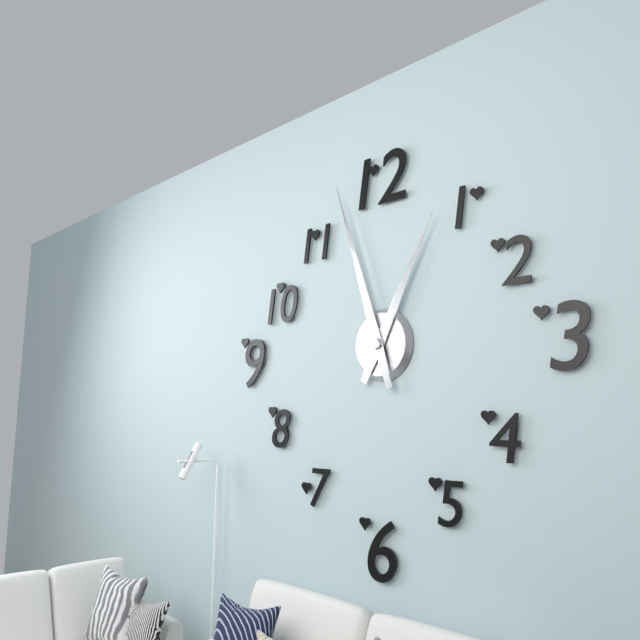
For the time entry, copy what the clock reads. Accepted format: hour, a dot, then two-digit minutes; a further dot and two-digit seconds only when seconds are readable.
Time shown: 12.57
